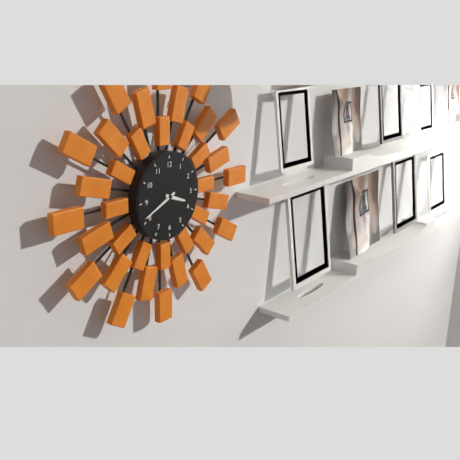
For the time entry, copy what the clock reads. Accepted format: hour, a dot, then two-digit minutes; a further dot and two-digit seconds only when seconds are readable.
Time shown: 3.41
